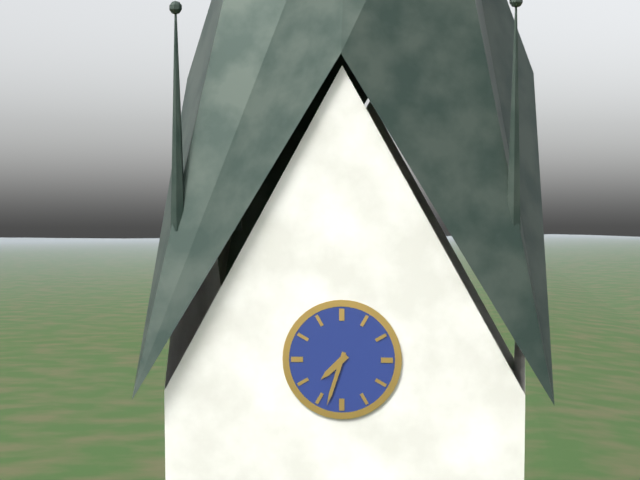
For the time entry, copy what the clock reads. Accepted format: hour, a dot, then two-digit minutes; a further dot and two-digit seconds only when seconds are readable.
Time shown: 7.33
